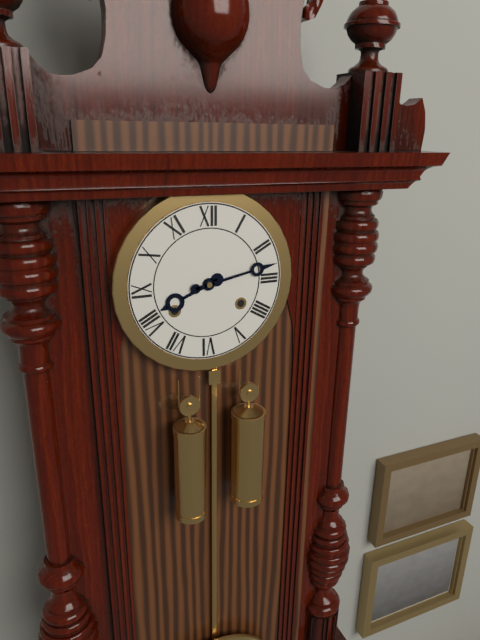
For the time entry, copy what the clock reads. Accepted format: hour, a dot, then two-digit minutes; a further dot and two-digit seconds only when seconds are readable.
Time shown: 8.13
